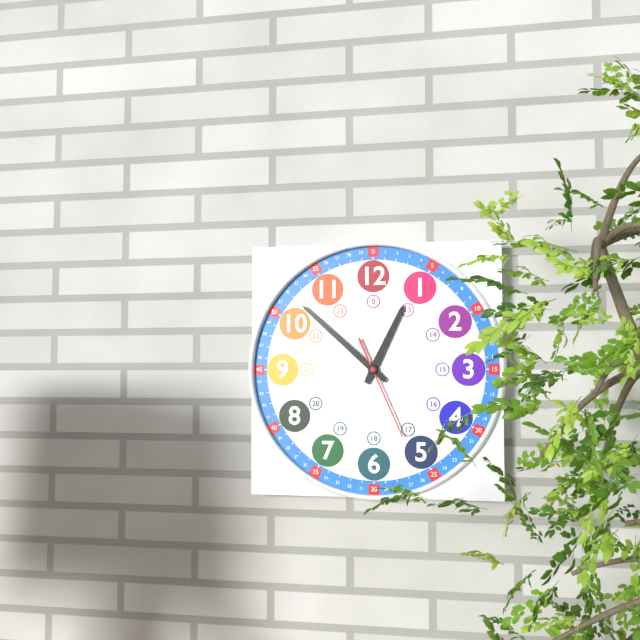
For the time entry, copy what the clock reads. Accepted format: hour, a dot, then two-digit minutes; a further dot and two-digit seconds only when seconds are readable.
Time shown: 12.52.26
